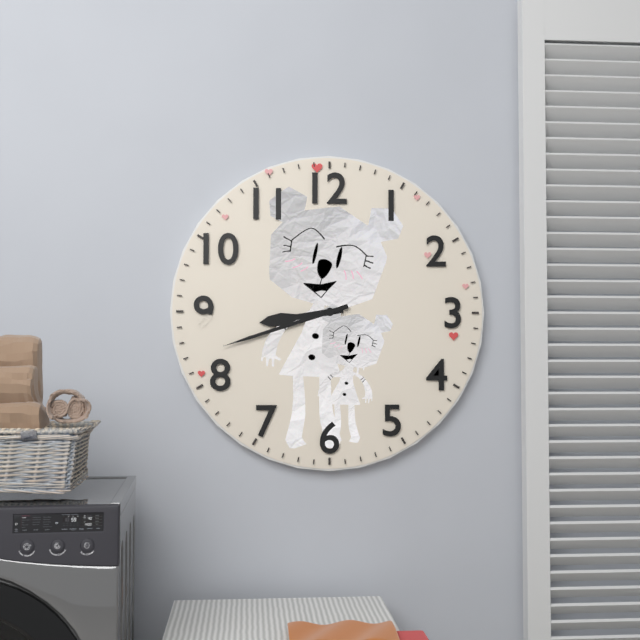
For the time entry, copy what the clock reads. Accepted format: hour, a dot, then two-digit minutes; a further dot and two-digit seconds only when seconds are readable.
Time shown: 8.42
